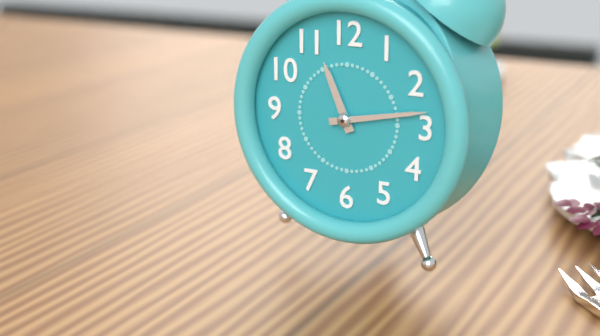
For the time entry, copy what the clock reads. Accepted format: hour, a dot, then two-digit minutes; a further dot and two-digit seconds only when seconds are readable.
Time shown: 11.13
